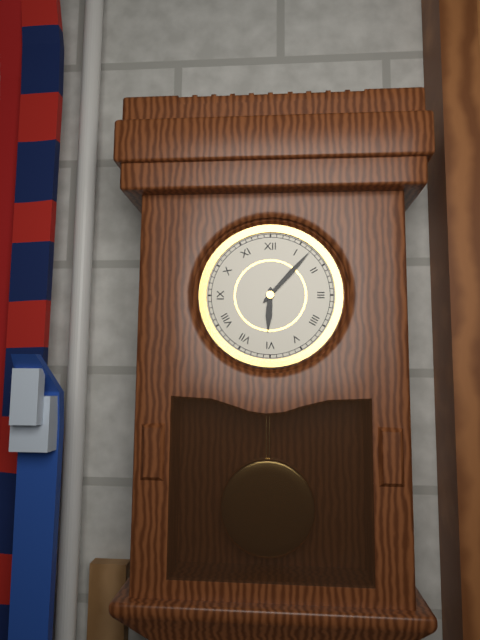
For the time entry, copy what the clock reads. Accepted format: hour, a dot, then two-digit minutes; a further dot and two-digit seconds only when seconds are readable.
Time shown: 6.07
